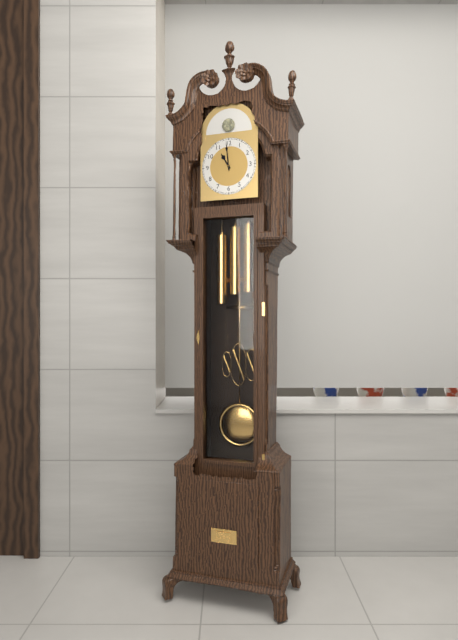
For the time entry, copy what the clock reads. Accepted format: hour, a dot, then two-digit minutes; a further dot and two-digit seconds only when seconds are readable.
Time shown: 10.59
